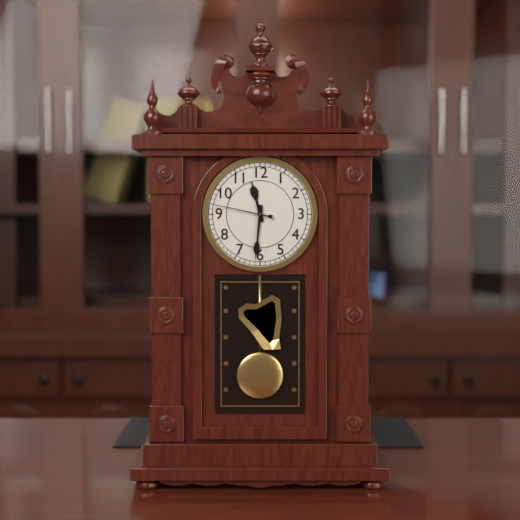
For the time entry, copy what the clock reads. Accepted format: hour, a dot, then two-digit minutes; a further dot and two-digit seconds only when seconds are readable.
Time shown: 11.31.47
